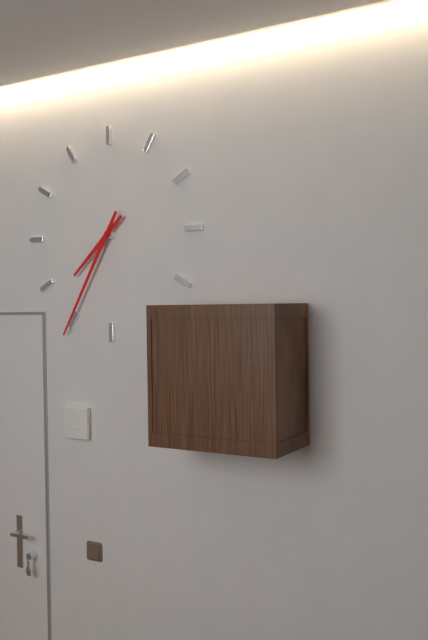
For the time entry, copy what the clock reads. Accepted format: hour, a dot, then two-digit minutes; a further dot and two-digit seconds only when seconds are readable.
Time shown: 7.35
